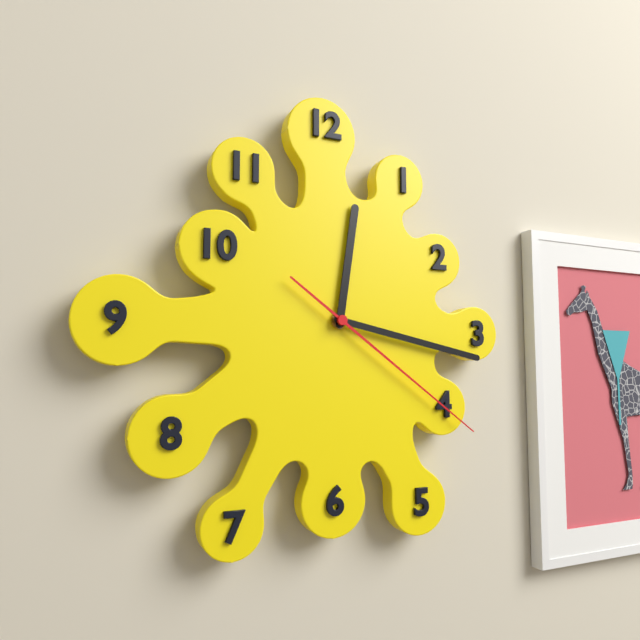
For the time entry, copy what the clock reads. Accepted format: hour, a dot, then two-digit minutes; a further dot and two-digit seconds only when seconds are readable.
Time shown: 12.17.21
